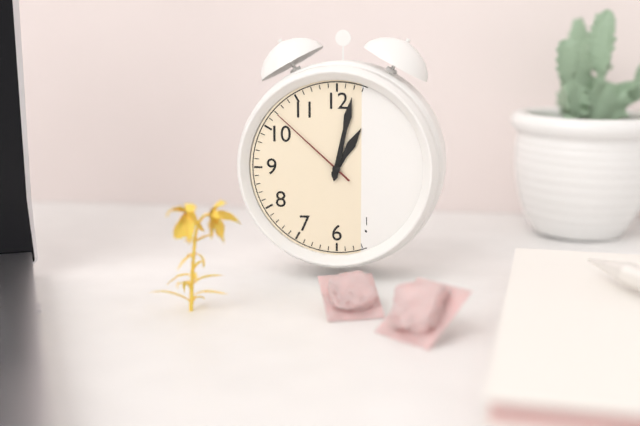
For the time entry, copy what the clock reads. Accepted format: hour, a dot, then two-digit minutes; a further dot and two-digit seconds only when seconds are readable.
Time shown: 1.02.52
